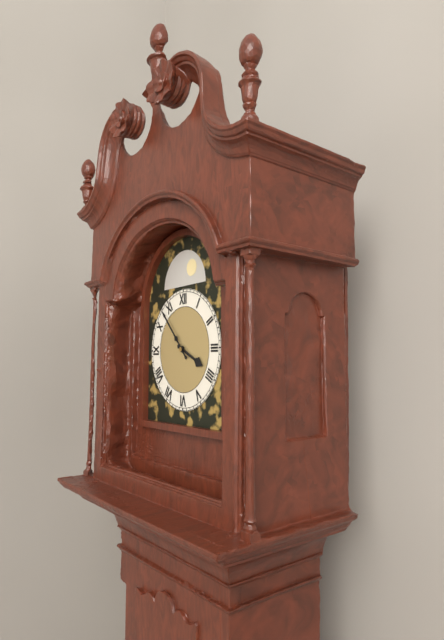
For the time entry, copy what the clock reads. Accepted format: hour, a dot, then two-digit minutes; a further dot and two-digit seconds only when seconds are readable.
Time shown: 3.53
